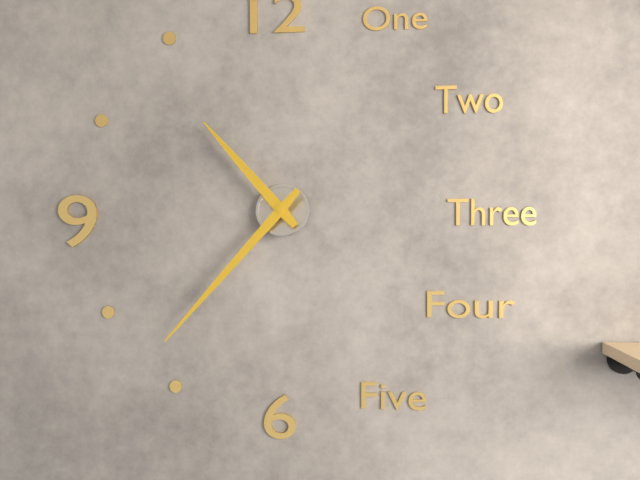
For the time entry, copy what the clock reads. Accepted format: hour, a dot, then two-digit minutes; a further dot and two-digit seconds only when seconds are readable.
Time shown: 10.37
